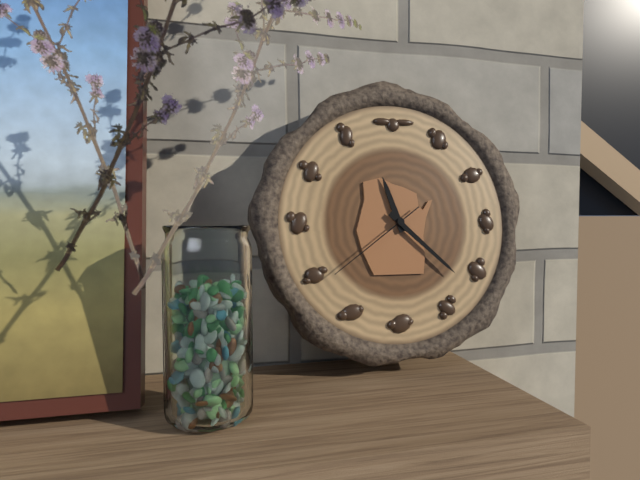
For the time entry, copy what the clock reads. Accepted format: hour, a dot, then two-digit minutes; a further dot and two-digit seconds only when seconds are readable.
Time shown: 11.22.39
